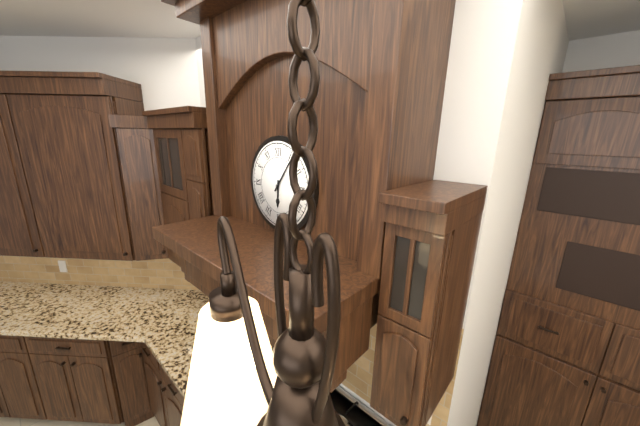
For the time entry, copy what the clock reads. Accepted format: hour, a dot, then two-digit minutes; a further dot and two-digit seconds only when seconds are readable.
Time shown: 6.06
